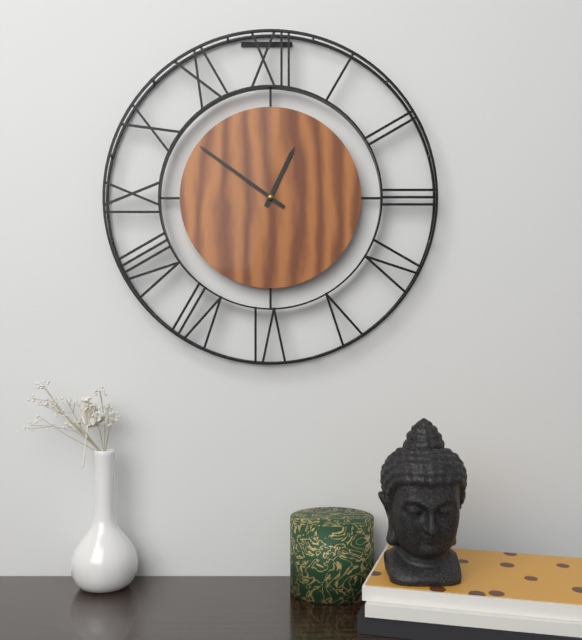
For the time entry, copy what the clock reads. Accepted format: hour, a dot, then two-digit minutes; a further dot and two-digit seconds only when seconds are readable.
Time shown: 12.51
